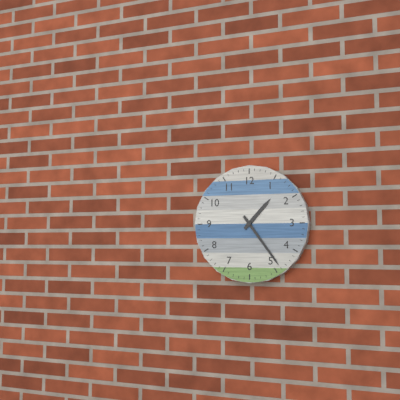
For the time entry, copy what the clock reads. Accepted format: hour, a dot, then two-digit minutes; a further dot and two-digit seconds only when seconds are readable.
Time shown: 1.24
